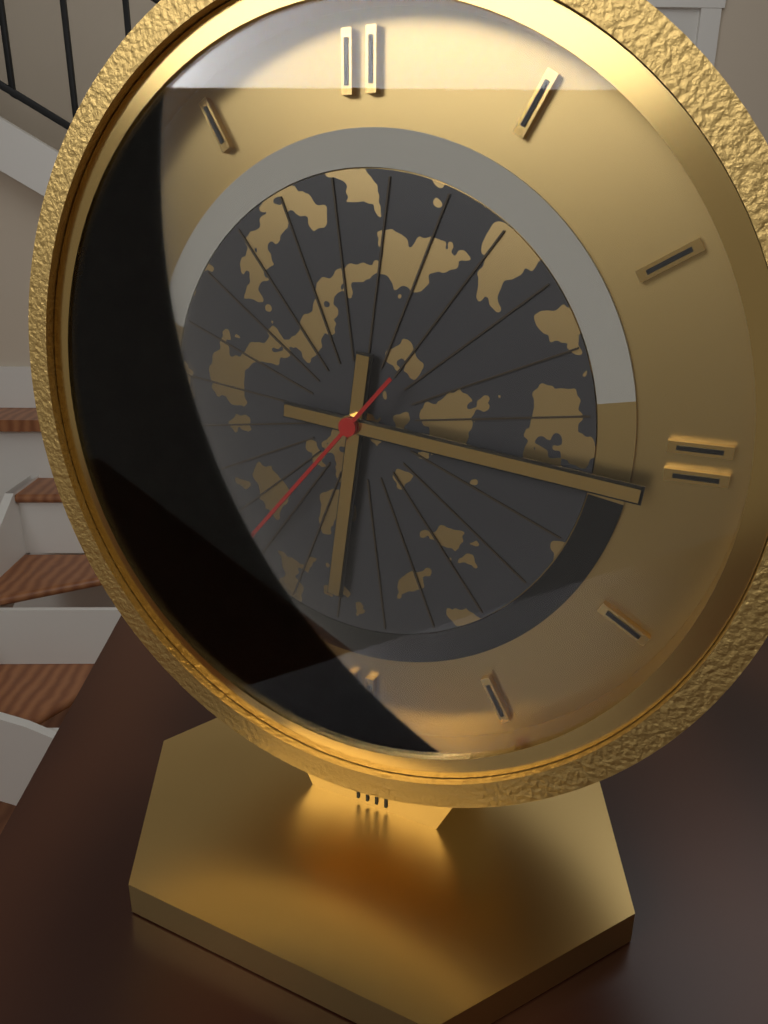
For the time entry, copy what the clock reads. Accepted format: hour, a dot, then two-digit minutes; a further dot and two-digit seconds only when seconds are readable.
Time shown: 6.16.37
